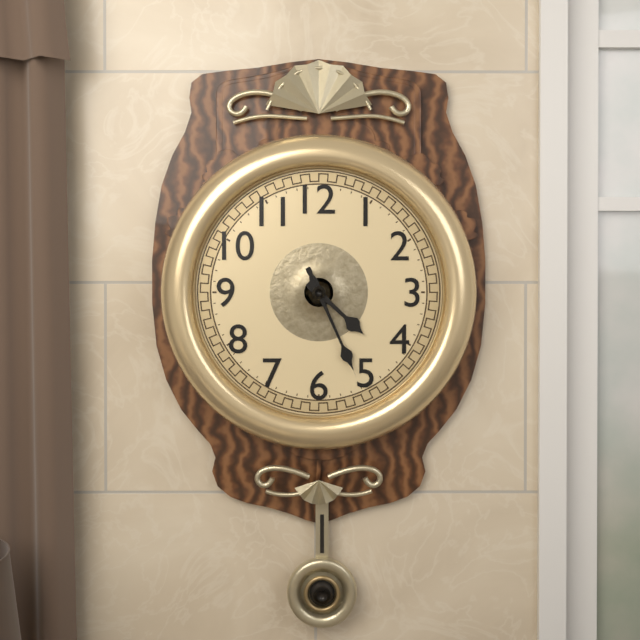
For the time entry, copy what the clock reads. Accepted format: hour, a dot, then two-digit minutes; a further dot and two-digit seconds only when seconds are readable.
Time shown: 4.26.26
